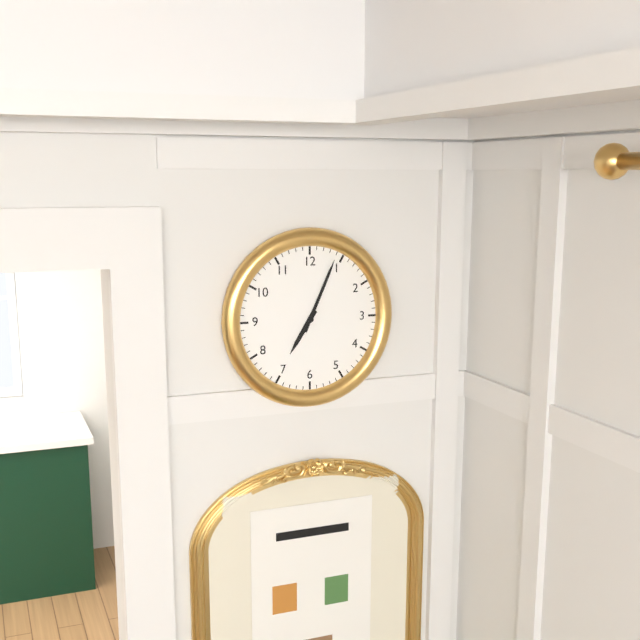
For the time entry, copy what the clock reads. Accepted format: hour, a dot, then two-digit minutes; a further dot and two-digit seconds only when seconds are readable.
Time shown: 7.04
